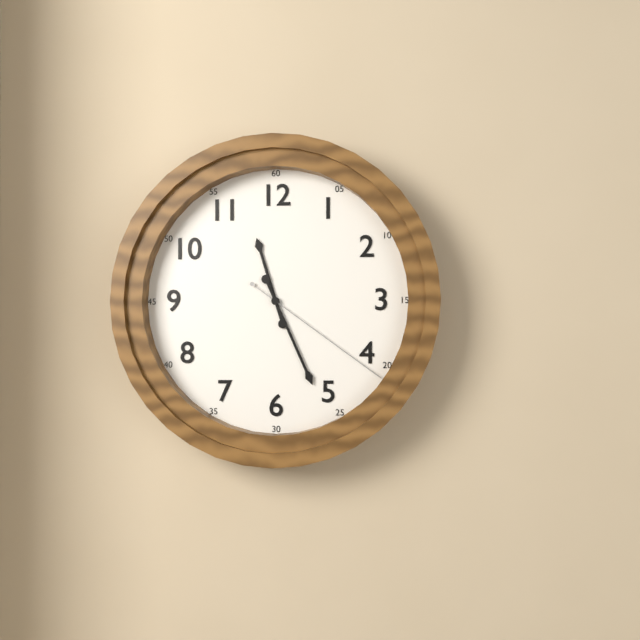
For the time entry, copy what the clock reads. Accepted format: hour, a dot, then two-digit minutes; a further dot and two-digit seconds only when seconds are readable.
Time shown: 11.26.21
